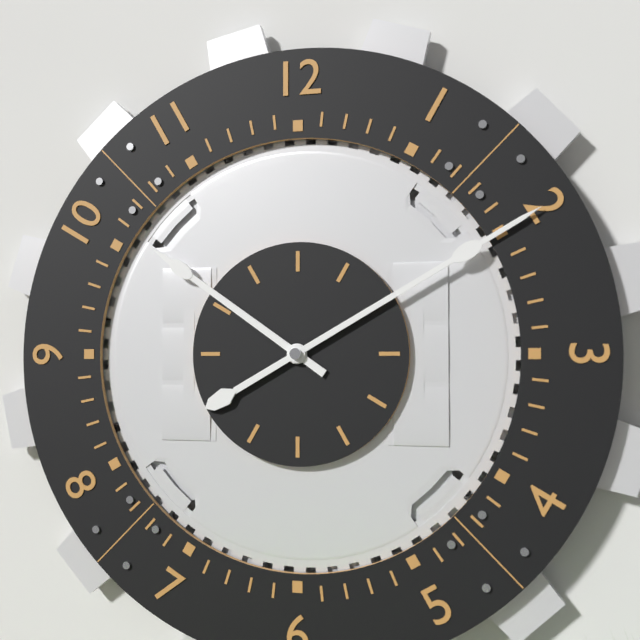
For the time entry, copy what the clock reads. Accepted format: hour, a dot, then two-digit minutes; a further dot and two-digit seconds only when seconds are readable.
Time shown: 10.10
